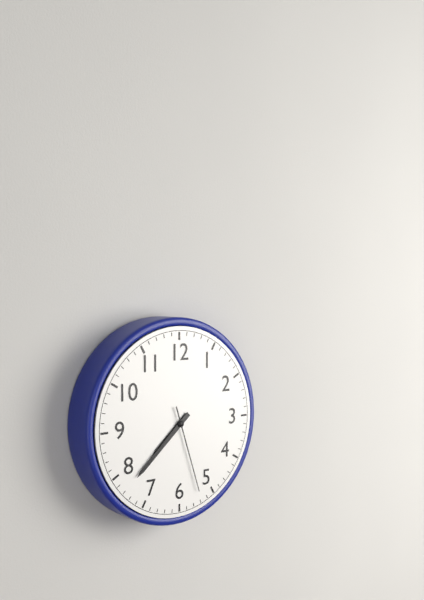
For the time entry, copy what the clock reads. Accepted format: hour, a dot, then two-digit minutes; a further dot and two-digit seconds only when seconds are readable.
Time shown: 7.38.27
